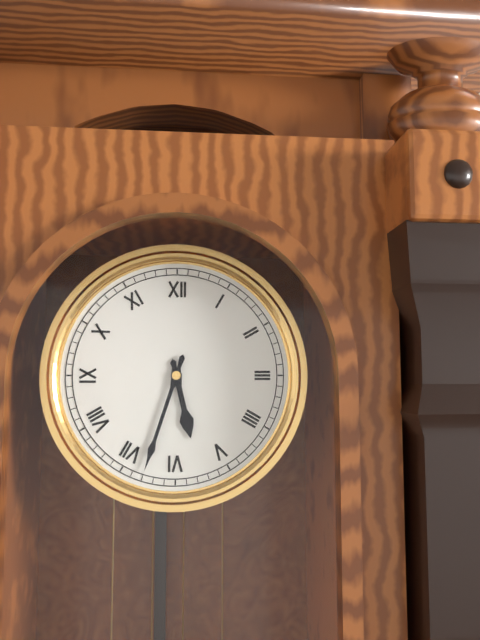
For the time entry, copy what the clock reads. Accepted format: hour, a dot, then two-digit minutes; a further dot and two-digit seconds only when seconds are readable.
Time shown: 5.33
